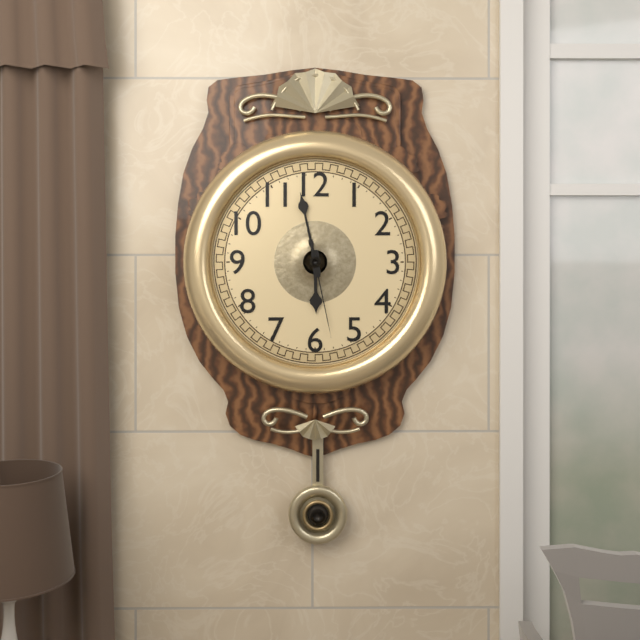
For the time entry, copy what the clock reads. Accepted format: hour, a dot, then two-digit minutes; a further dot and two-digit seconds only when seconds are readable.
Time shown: 5.58.28
